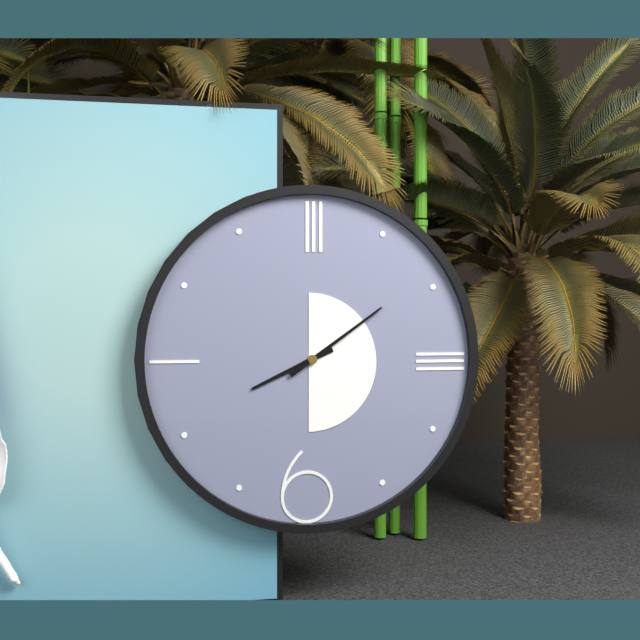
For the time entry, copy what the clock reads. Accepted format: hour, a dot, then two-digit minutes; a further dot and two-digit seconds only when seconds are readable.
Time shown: 8.09
